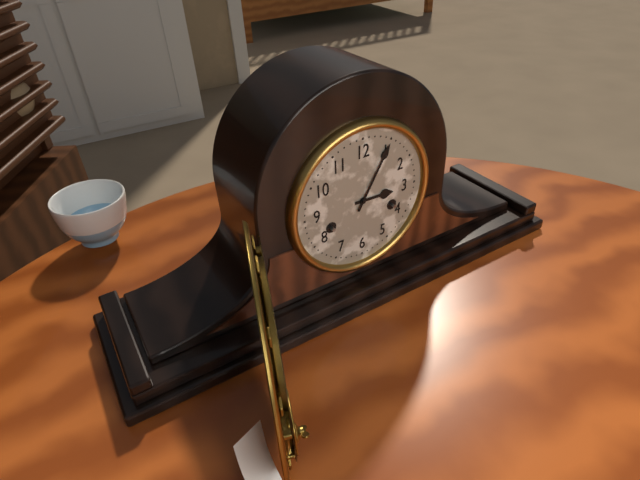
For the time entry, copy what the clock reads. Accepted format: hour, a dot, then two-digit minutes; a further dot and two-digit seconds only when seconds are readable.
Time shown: 3.05
